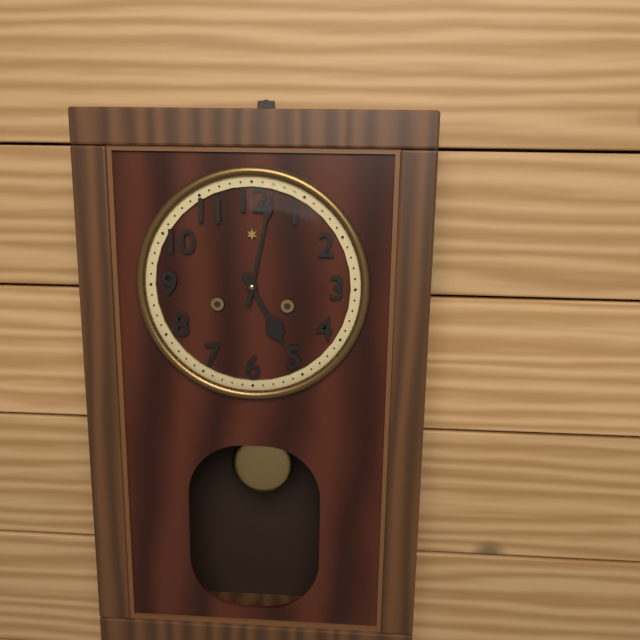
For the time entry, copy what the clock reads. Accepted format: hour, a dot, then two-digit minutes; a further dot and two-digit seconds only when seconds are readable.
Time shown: 5.02
